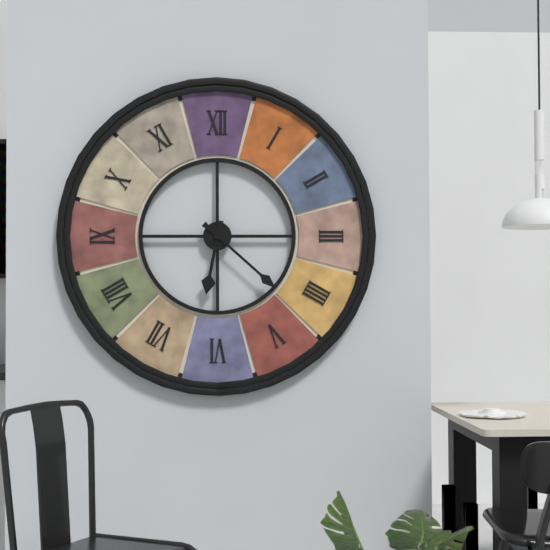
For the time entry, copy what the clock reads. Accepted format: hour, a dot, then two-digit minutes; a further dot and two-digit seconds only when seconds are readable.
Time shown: 6.22
